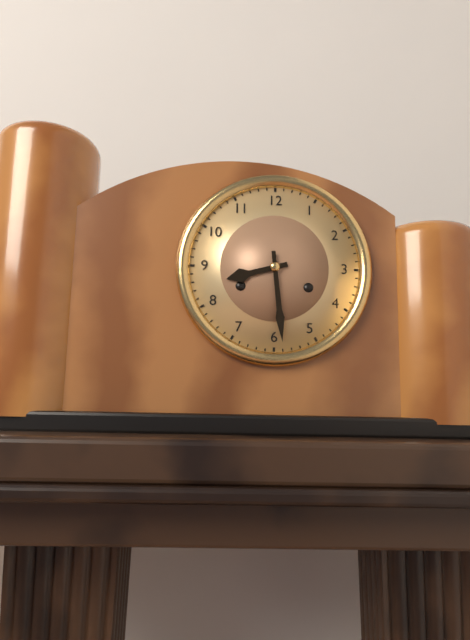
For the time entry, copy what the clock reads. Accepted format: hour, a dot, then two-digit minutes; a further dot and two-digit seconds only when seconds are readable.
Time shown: 8.29
